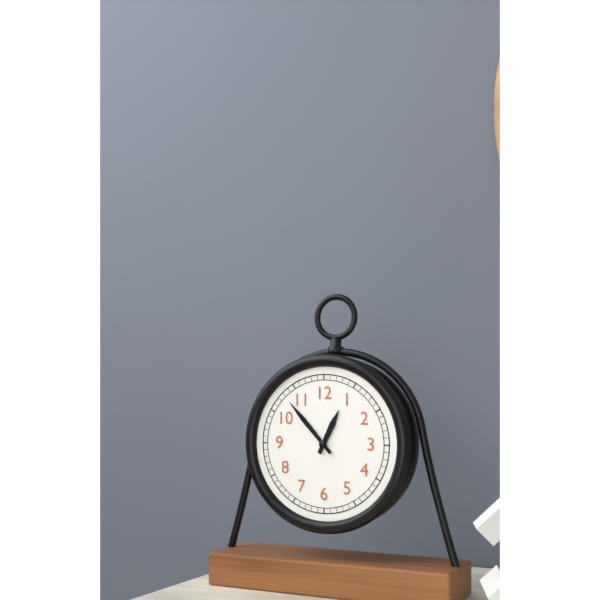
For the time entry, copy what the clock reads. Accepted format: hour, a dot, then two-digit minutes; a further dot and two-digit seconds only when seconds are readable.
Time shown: 12.53
